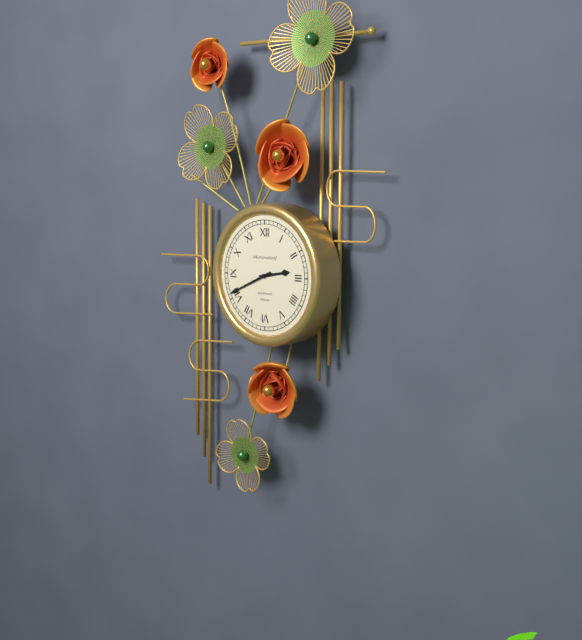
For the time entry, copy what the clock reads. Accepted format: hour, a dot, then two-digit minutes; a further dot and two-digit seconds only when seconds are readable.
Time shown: 2.41
